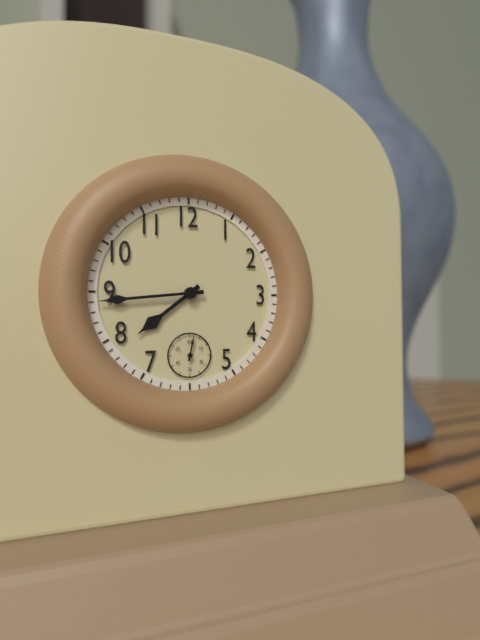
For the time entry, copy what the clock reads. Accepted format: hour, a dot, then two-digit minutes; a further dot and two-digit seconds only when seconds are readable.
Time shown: 7.44
